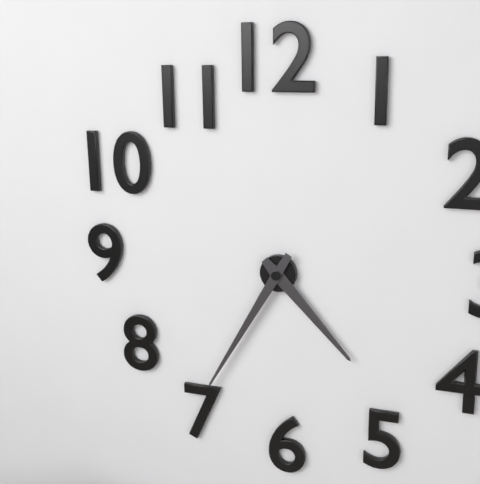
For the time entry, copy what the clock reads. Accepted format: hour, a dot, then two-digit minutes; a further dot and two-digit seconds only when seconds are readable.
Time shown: 4.35
